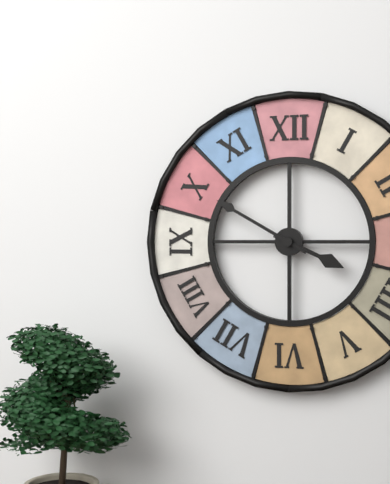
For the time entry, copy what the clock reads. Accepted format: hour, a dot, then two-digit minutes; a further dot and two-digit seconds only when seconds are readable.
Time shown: 3.50
